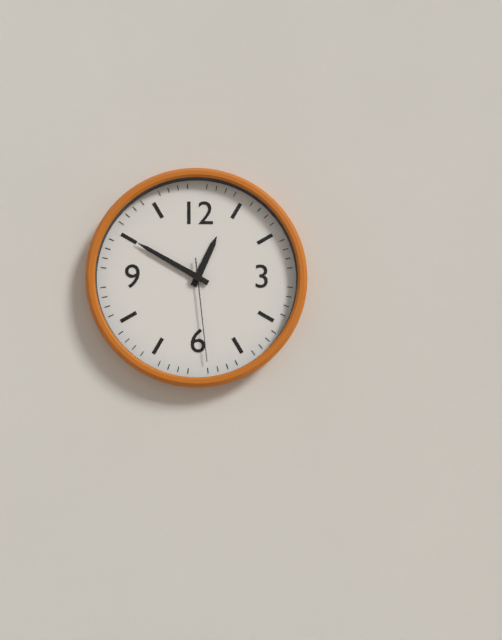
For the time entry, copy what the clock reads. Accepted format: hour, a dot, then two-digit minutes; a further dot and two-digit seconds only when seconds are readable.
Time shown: 12.50.29
